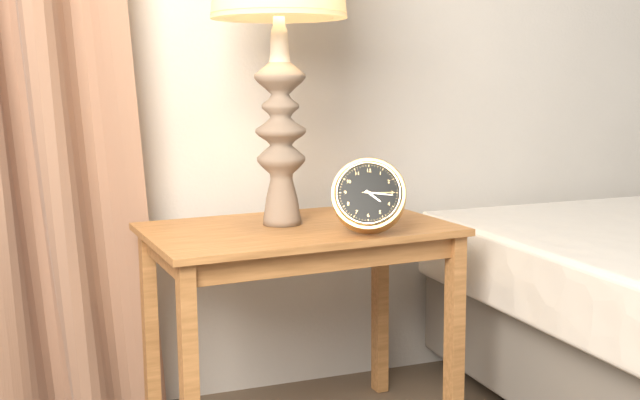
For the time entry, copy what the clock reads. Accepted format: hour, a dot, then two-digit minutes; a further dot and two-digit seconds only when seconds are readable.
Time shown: 4.16
